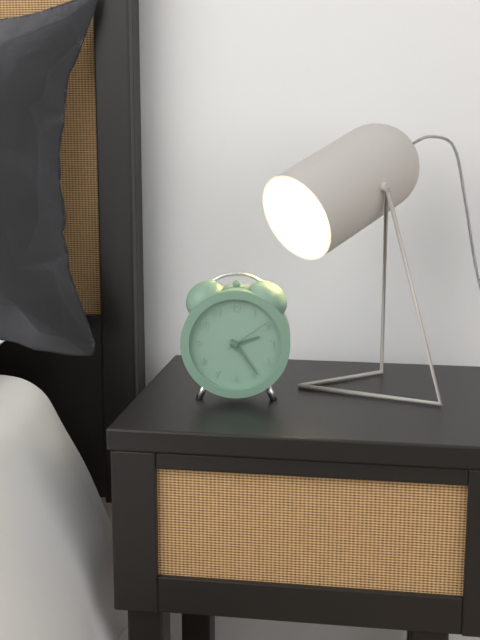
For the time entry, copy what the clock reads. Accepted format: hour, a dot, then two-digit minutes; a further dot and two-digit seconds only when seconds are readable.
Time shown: 2.24.09
